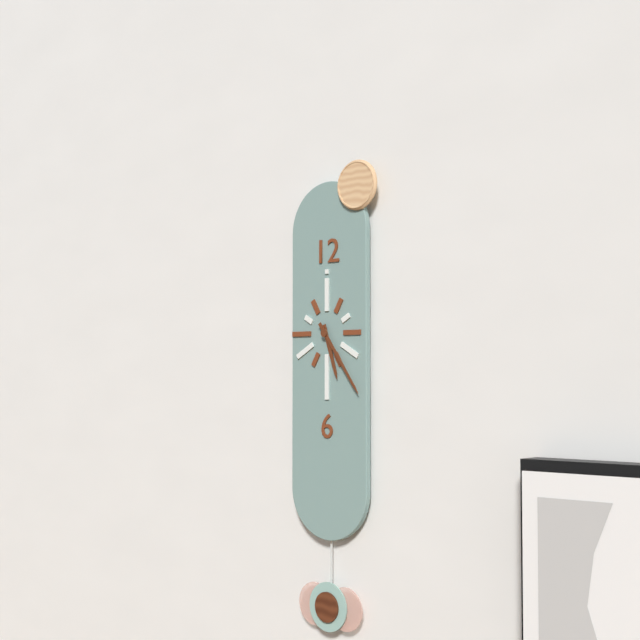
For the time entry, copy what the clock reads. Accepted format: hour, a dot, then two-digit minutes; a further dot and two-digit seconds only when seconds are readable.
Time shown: 5.24
